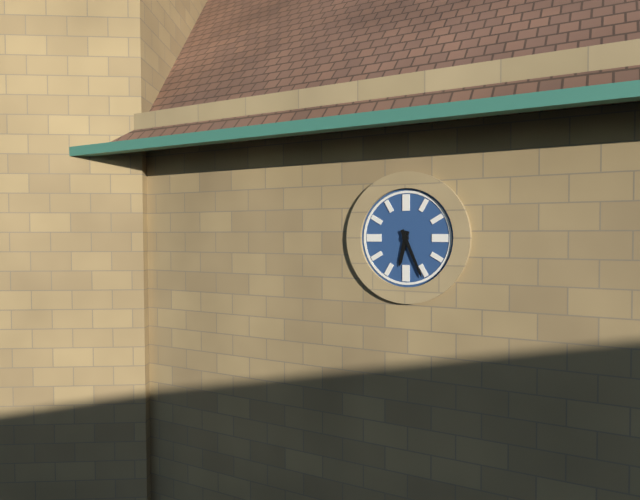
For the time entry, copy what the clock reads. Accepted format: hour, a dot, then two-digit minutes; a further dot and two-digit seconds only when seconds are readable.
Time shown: 6.26
